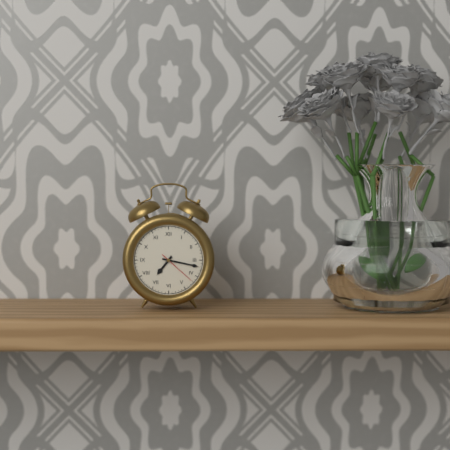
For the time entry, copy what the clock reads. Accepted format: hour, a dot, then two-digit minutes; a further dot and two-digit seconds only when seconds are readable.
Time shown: 7.17
